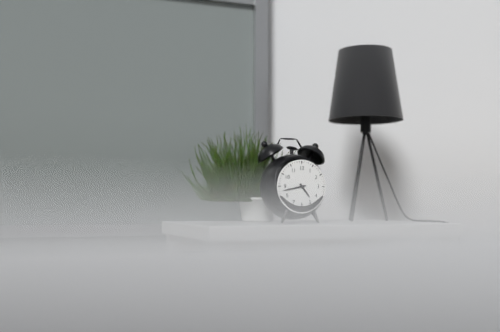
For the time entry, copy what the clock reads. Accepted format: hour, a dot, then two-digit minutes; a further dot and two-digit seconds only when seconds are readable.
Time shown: 4.43
